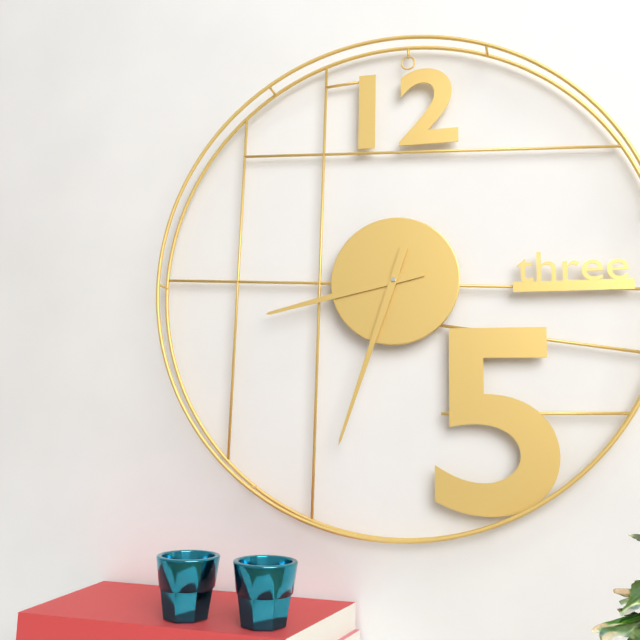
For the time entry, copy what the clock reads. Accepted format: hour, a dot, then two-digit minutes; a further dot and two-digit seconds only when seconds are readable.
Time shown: 8.33
